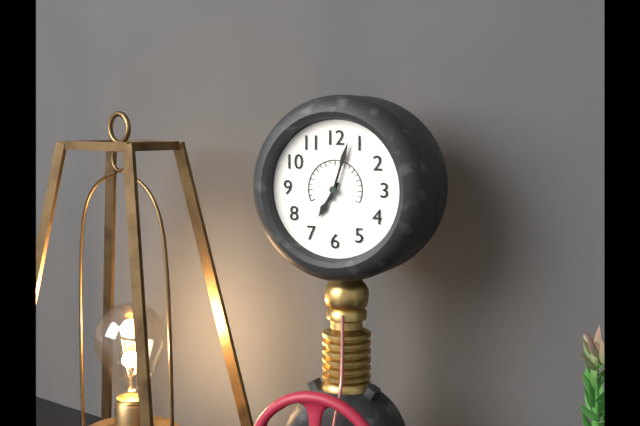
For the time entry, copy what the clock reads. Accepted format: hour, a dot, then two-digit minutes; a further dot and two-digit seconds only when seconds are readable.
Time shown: 7.03
